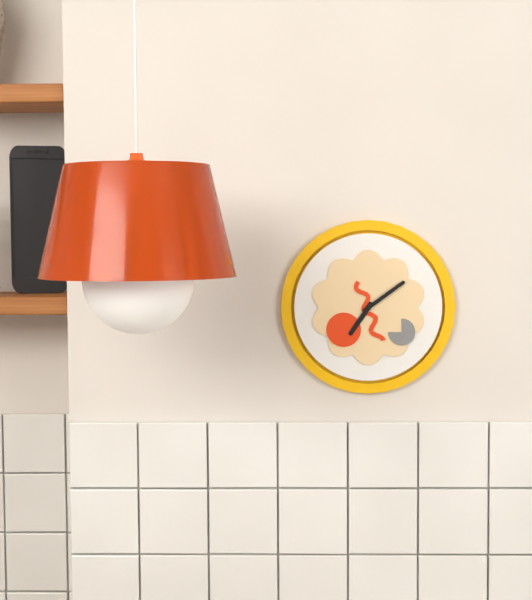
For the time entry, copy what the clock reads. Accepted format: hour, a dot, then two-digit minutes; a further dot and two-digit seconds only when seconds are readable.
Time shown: 7.09
